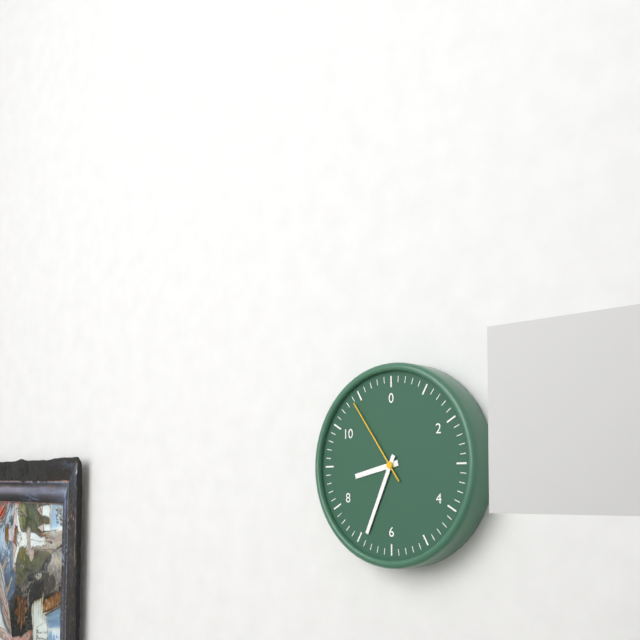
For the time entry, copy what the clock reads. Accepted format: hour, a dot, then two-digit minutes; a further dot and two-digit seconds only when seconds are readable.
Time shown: 8.34.54
